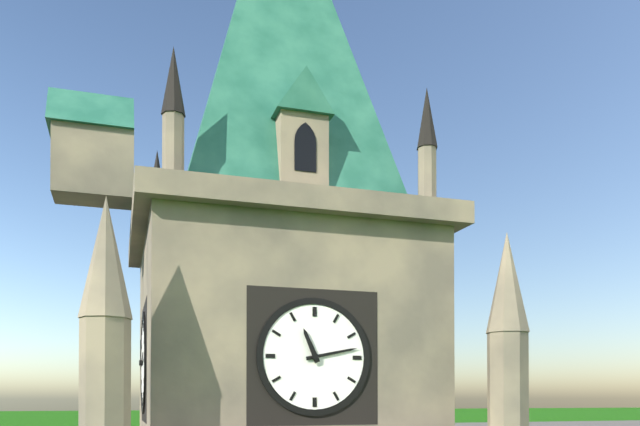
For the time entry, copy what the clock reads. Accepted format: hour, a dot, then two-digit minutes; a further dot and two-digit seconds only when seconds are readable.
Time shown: 11.13
